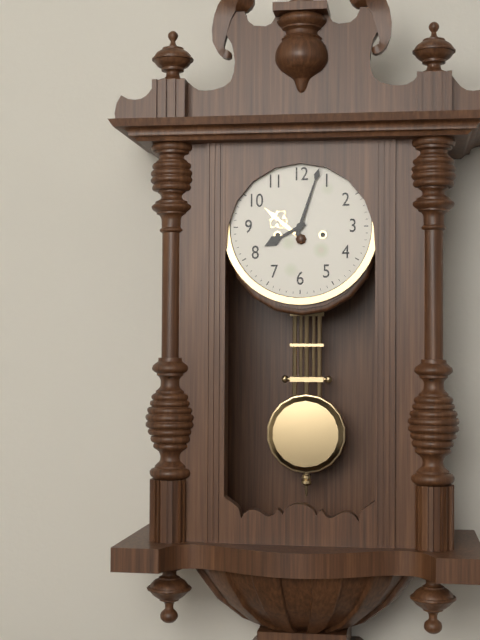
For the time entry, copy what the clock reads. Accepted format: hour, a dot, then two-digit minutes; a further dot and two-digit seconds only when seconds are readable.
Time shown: 8.03
